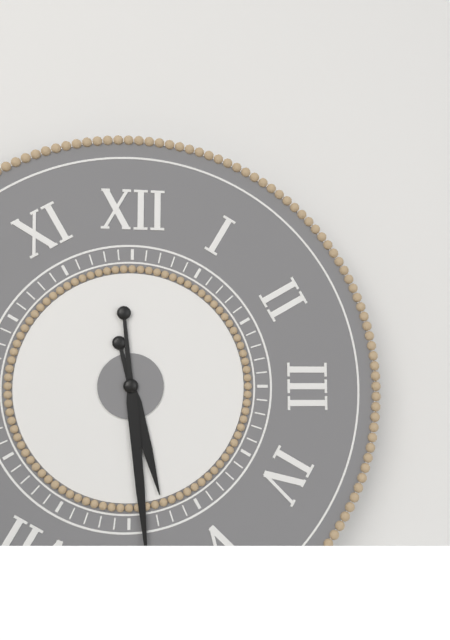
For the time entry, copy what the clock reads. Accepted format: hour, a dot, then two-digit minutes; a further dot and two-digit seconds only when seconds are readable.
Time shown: 5.29
